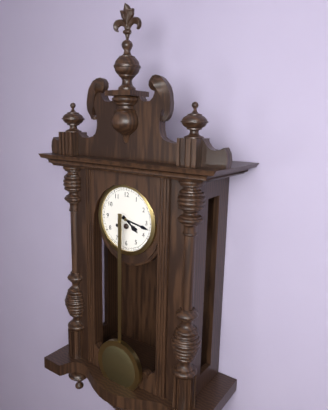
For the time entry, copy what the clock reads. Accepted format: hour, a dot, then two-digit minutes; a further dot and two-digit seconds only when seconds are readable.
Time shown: 4.17
